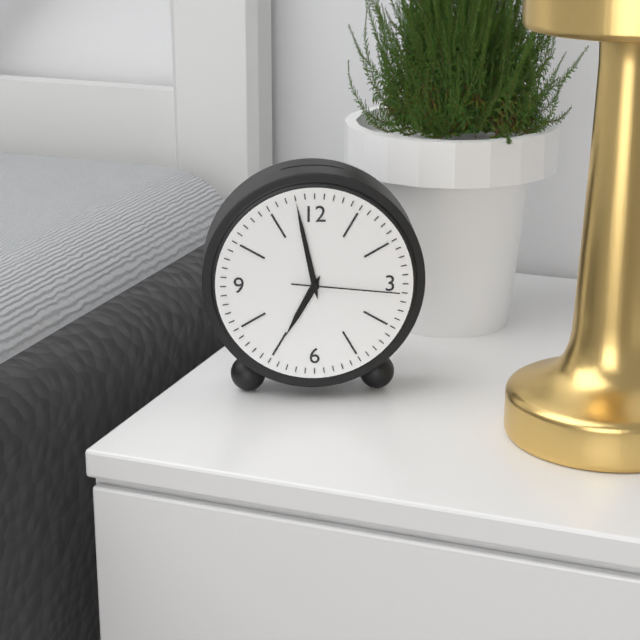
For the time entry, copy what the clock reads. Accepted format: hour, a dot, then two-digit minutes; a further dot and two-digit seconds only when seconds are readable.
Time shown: 6.58.16
